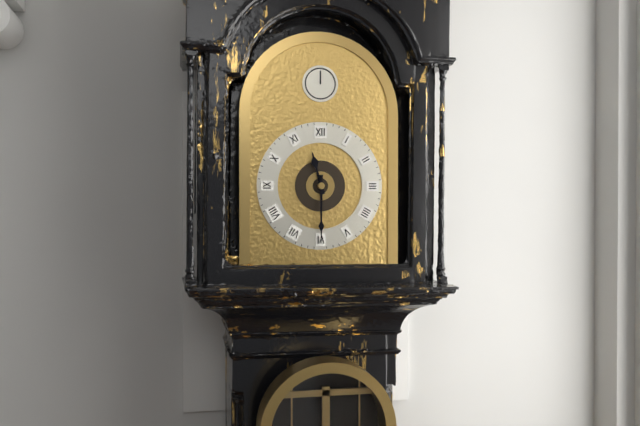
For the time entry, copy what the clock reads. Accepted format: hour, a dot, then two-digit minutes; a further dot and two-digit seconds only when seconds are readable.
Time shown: 11.30
